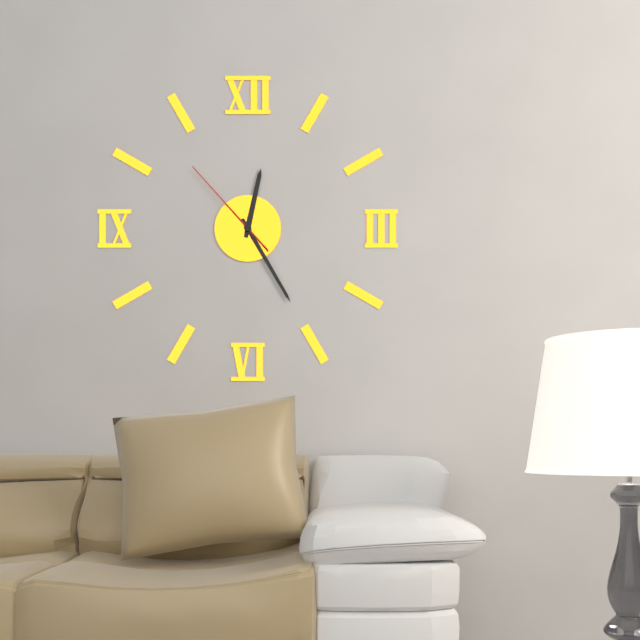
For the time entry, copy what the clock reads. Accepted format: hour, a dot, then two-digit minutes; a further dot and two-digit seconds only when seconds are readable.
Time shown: 12.25.53
